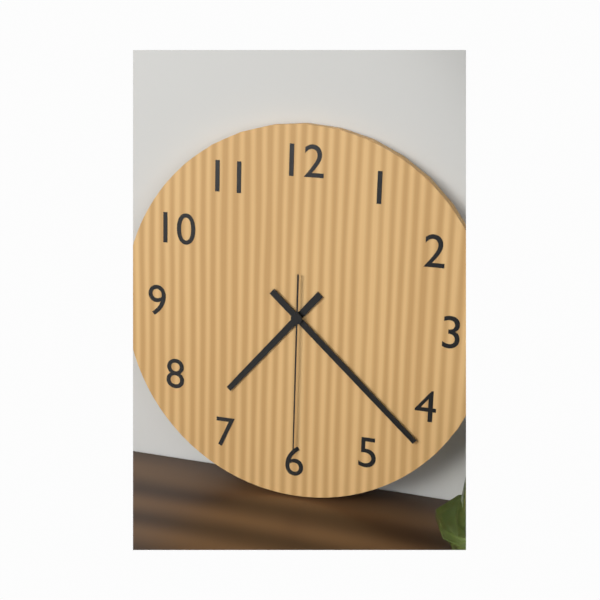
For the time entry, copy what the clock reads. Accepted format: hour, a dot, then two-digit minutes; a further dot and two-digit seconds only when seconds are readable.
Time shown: 7.22.30
